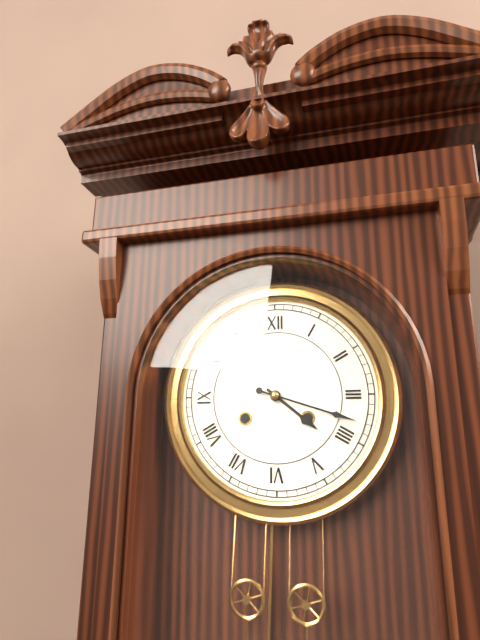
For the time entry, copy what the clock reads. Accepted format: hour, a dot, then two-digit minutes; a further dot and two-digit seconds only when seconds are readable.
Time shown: 4.18
